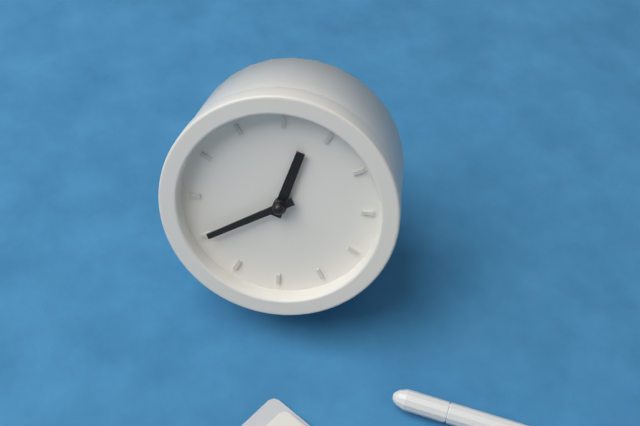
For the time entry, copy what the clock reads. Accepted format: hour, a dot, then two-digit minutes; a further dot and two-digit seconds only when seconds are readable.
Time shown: 11.35
